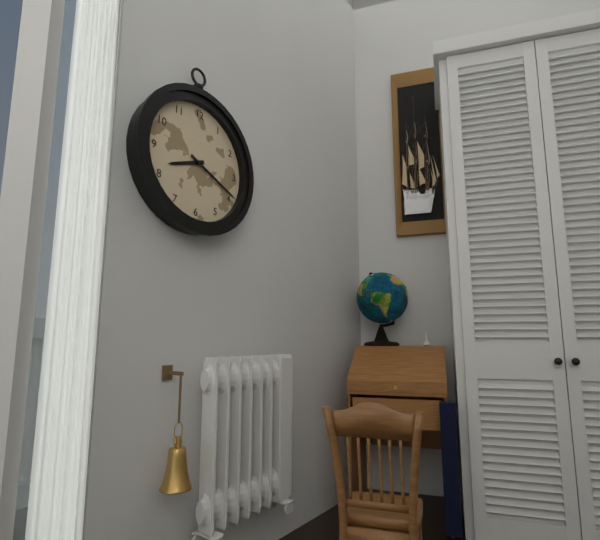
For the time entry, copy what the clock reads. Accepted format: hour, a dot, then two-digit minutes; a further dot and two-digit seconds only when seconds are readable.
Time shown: 8.19
